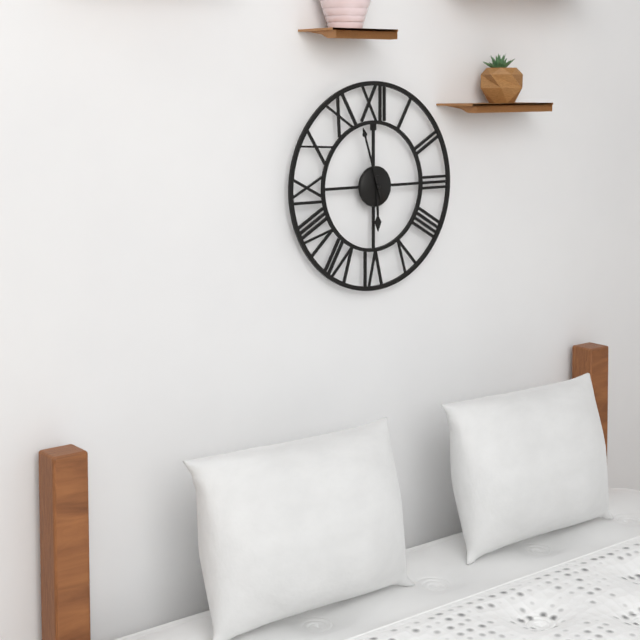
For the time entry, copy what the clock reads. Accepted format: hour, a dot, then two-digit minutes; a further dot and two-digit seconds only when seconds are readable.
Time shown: 5.57
